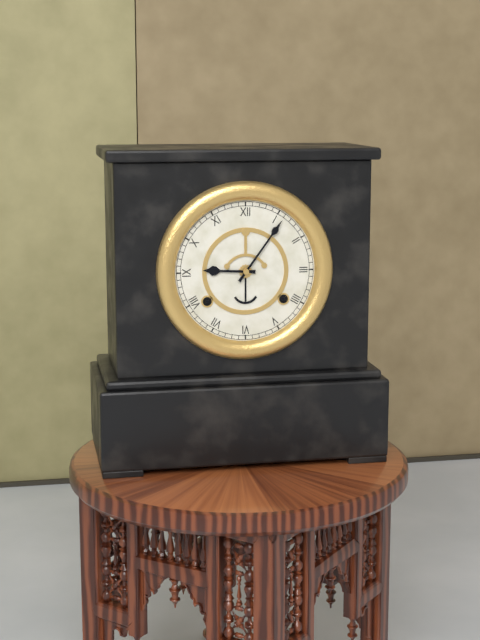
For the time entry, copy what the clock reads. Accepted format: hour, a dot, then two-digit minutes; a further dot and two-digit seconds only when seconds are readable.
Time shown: 9.06
